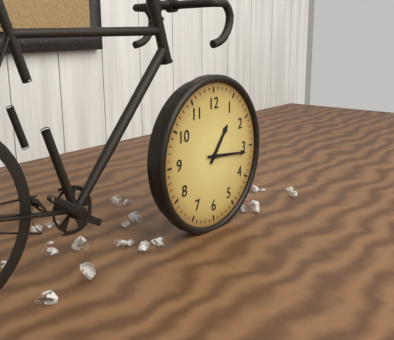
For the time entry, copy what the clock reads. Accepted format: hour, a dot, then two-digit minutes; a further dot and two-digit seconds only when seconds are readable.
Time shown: 1.16
